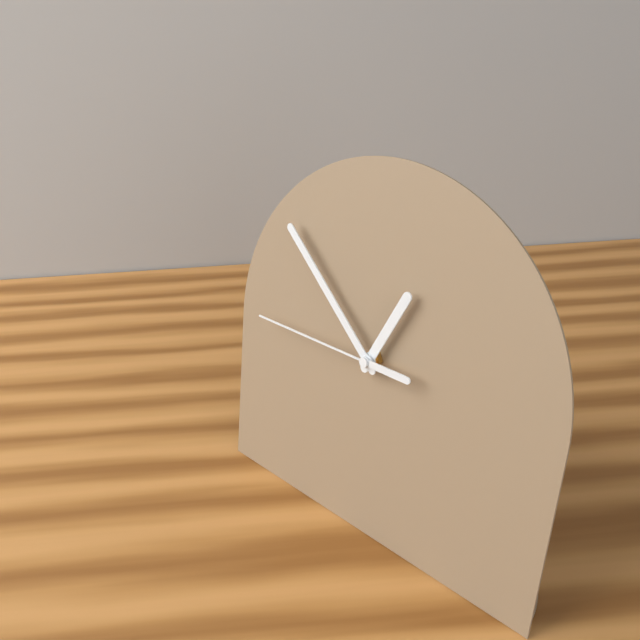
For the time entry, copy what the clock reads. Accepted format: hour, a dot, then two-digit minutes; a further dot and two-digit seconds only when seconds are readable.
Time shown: 12.52.45
